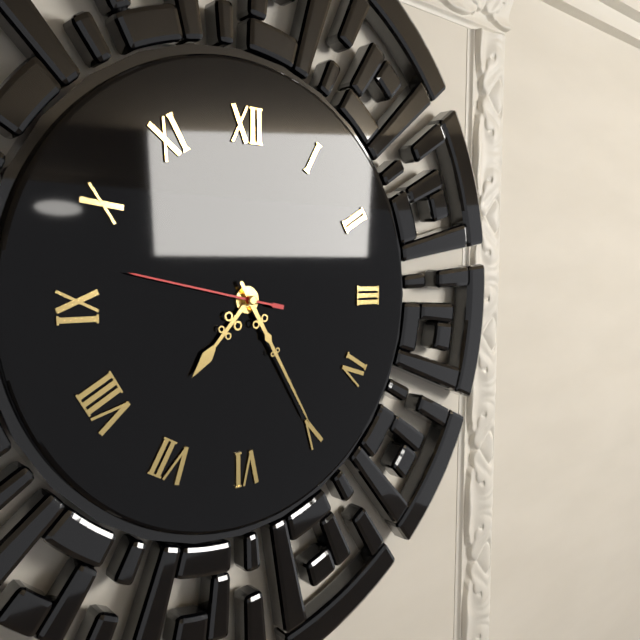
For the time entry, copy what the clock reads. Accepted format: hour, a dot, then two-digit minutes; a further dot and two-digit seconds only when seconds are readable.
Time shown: 7.25.47
